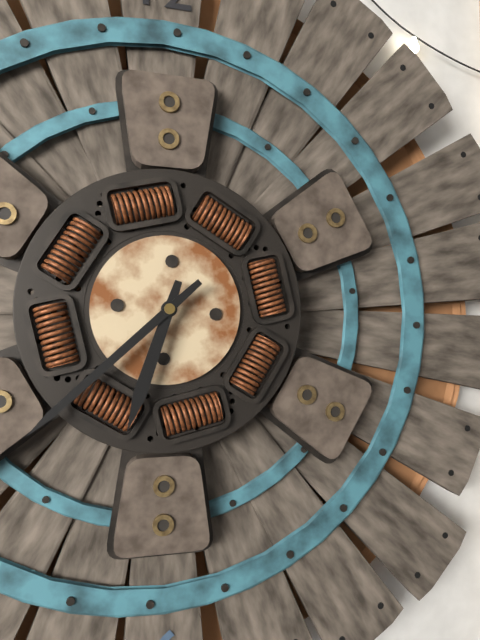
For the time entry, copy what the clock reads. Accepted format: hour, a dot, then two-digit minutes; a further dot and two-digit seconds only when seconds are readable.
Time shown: 6.38
